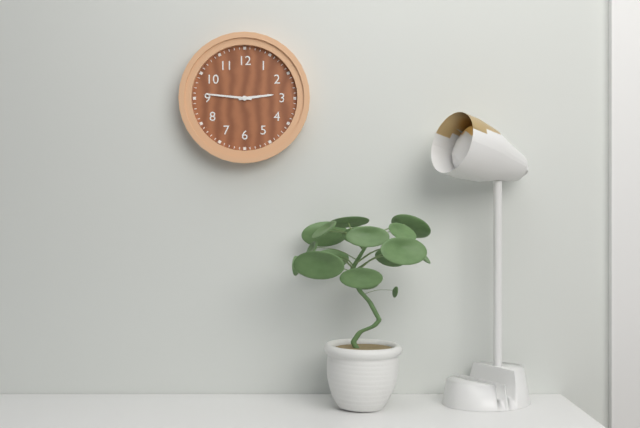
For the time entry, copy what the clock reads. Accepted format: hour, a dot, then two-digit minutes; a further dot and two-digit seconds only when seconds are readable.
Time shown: 2.46
